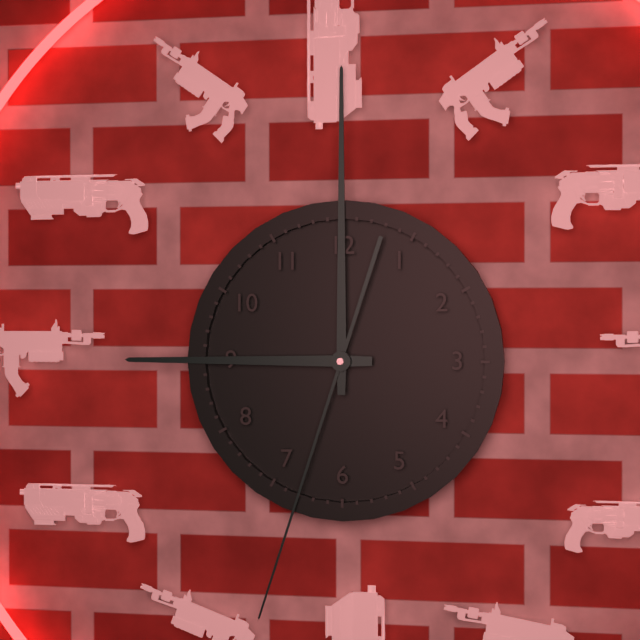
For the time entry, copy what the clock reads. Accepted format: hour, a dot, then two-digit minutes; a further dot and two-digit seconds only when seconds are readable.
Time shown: 9.00.33
